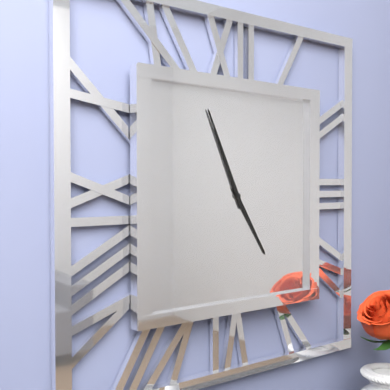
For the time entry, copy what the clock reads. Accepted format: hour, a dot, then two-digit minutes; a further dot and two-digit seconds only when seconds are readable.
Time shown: 4.56
